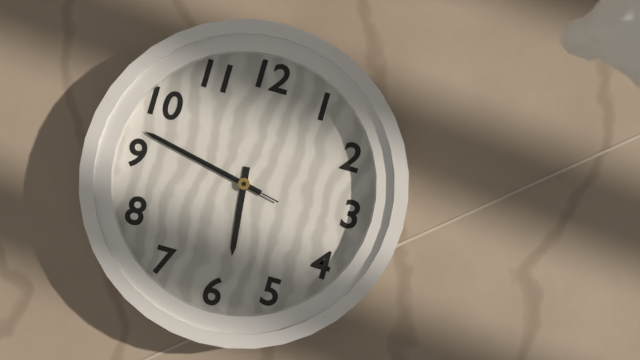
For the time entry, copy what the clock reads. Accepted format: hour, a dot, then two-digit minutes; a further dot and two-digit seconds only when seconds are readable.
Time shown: 5.47.47
